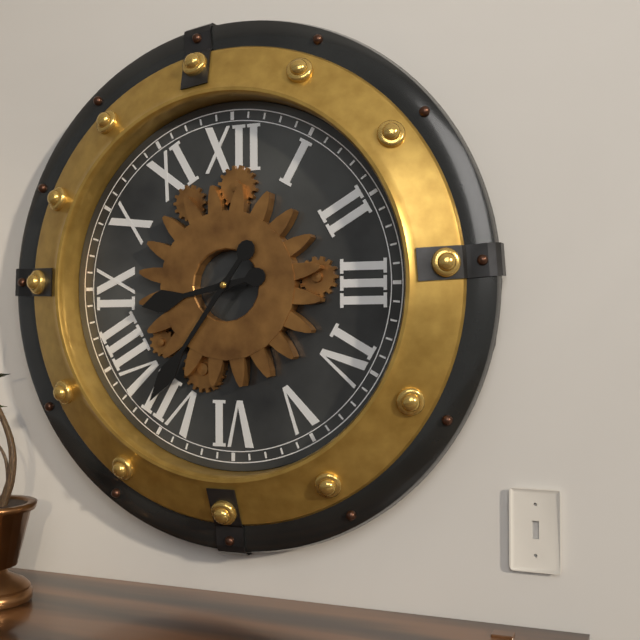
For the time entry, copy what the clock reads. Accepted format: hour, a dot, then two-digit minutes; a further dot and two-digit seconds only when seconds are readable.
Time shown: 8.36
